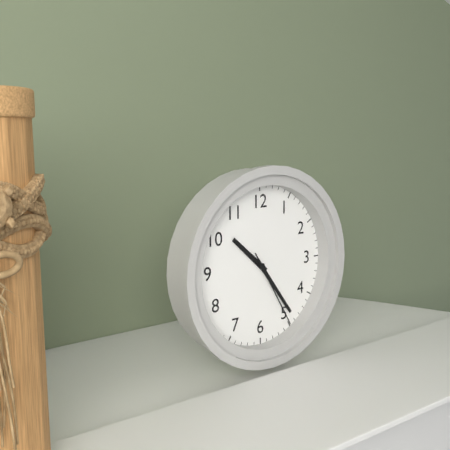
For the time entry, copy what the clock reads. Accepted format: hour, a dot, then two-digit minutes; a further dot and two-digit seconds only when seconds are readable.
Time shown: 10.24.25
